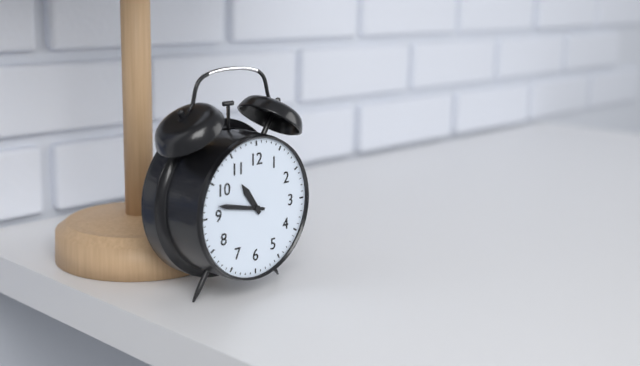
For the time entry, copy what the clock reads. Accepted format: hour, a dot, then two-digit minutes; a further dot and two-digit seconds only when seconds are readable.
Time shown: 10.47
